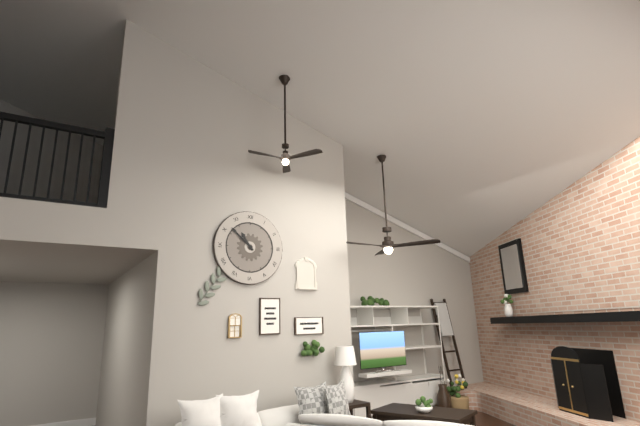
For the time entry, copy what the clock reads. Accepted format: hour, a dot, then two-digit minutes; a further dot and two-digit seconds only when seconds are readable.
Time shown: 10.52
